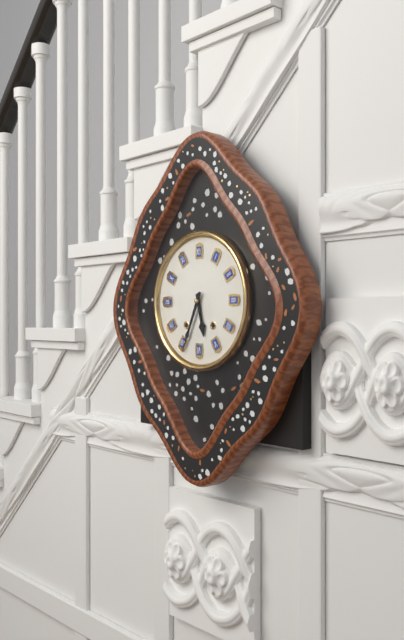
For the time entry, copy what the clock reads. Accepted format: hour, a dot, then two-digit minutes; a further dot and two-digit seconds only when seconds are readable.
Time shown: 5.34
